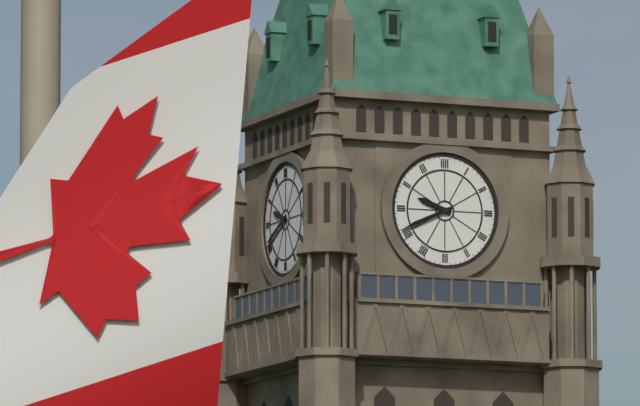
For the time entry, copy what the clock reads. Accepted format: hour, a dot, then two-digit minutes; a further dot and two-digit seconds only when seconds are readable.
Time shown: 9.41
